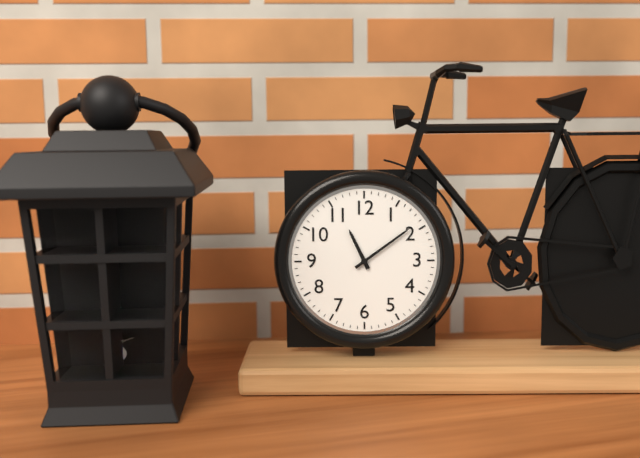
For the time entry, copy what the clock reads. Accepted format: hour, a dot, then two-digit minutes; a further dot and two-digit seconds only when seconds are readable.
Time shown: 11.09
